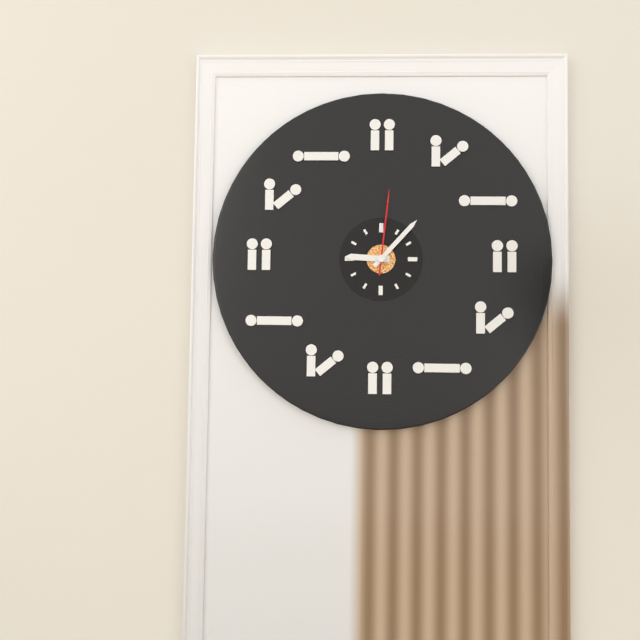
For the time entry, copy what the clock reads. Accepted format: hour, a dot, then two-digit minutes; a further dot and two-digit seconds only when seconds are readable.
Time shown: 9.07.01
